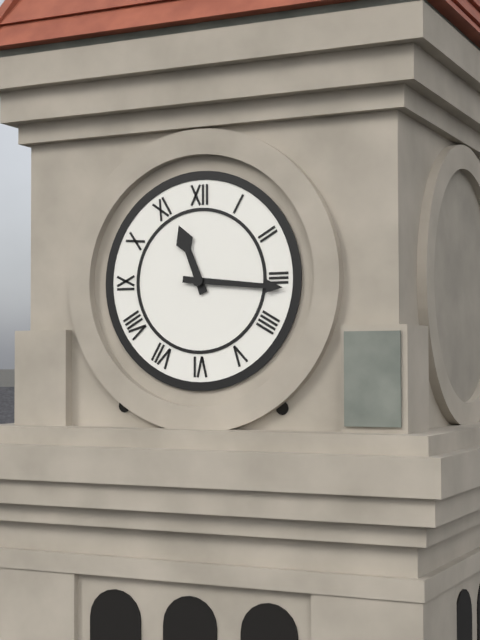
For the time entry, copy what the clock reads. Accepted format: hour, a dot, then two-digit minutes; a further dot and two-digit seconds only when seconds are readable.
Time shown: 11.16
